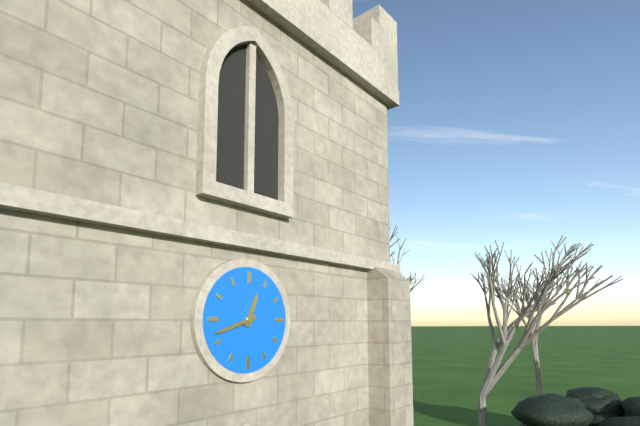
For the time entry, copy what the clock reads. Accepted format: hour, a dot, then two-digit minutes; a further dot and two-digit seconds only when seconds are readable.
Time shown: 12.42
